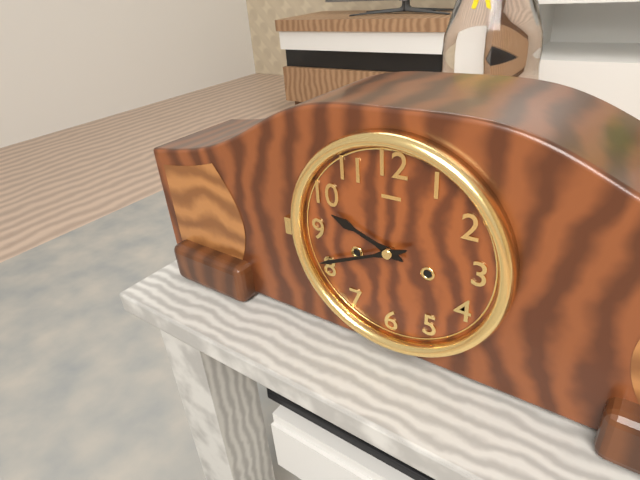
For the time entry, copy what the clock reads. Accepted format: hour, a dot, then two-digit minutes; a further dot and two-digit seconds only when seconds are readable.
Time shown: 9.41
